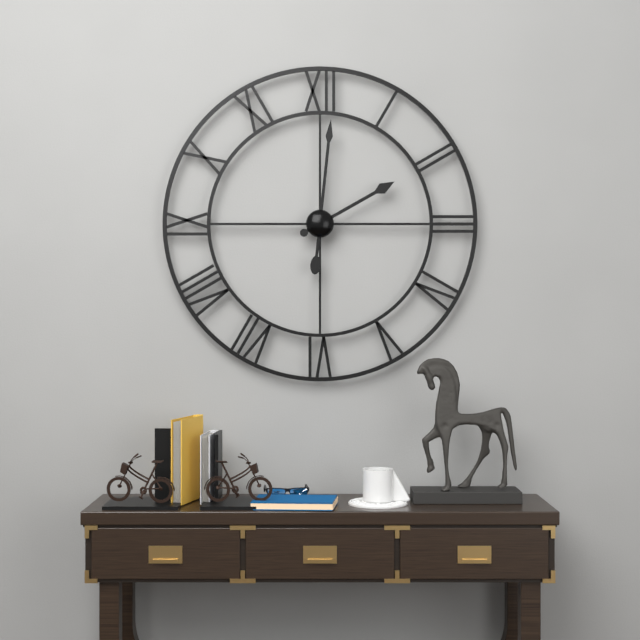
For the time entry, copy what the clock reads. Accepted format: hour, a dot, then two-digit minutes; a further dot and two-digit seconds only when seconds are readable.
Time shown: 2.01
